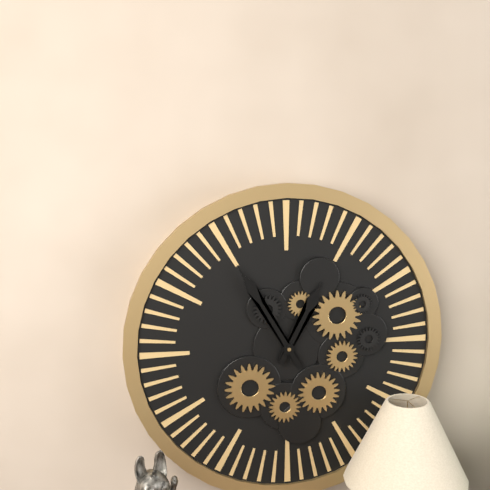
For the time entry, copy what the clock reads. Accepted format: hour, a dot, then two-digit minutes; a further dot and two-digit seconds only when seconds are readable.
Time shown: 12.55
